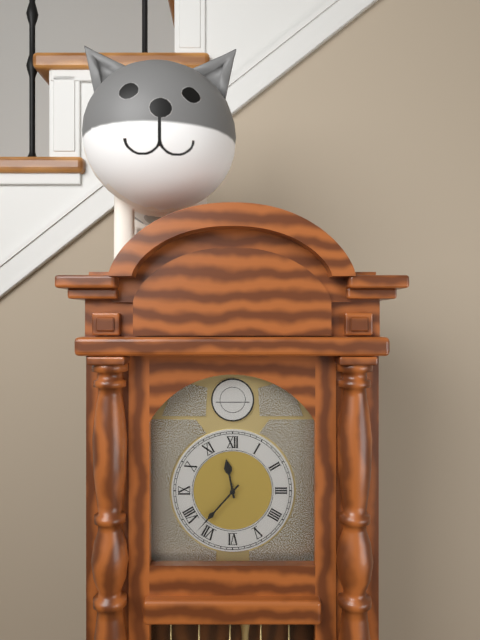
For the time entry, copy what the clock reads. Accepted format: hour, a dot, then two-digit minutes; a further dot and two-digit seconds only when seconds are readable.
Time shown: 11.37
